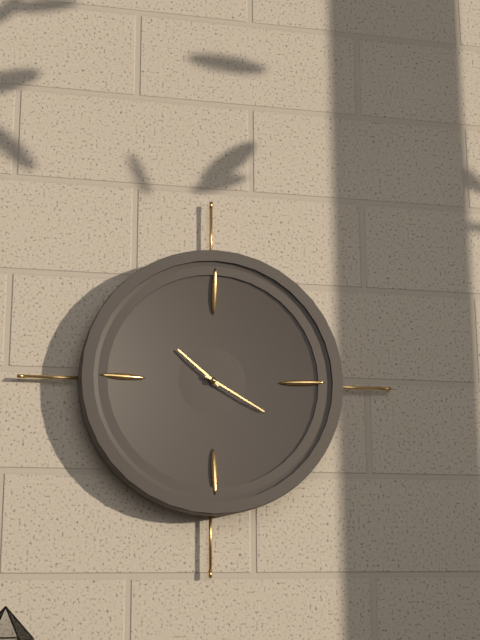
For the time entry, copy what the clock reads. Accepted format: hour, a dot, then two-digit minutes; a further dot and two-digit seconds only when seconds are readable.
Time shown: 10.20
